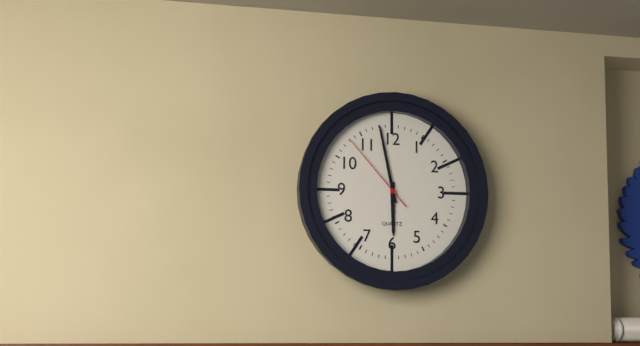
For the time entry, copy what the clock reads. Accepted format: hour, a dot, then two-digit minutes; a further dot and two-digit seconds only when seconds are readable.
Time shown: 5.58.53
